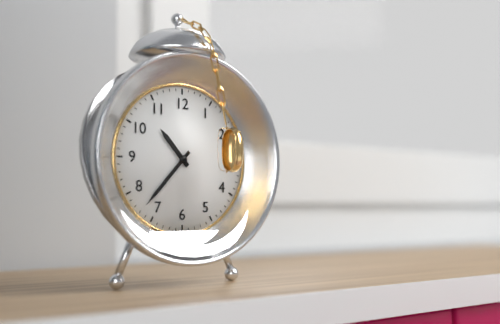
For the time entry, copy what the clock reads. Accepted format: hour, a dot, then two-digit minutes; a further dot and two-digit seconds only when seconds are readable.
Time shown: 10.37
